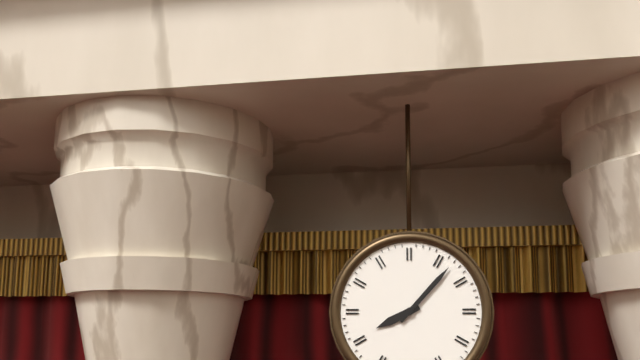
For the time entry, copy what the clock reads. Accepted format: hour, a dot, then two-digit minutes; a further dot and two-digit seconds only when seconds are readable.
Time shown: 8.07
